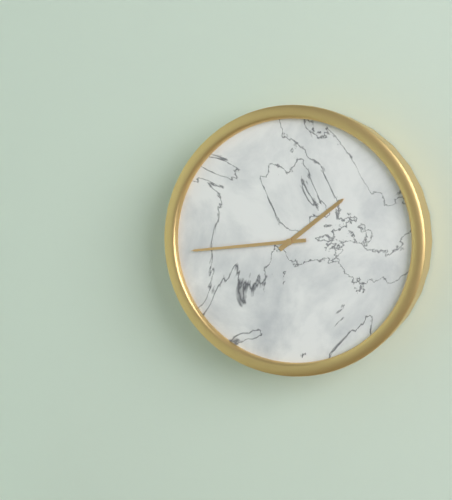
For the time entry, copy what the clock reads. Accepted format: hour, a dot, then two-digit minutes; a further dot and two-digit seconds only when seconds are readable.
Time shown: 1.44
